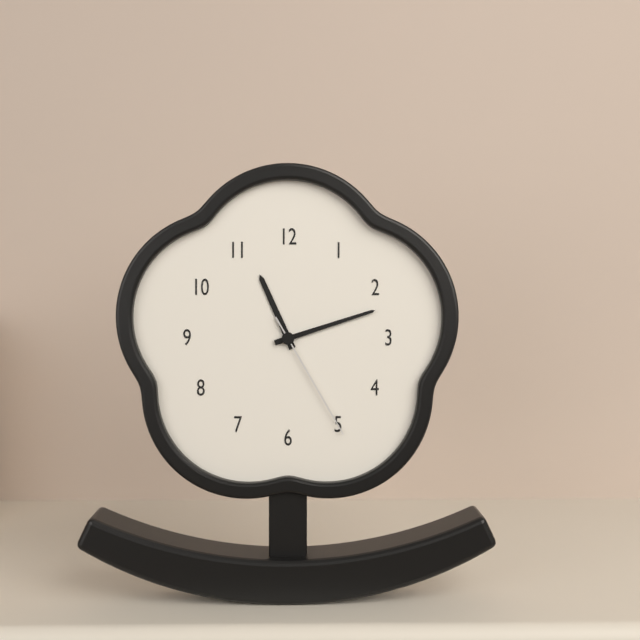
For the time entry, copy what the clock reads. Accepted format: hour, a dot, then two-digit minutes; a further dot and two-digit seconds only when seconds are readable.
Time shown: 11.12.25
